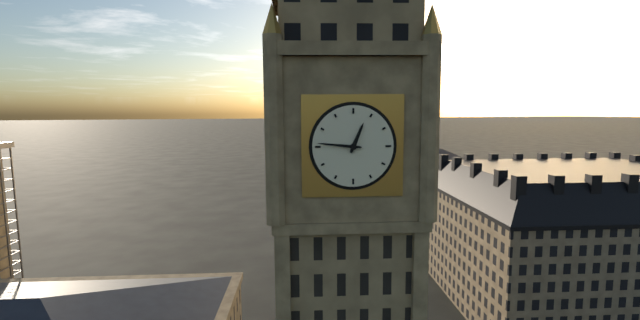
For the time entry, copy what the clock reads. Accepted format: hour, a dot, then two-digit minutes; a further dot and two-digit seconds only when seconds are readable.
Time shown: 12.46
